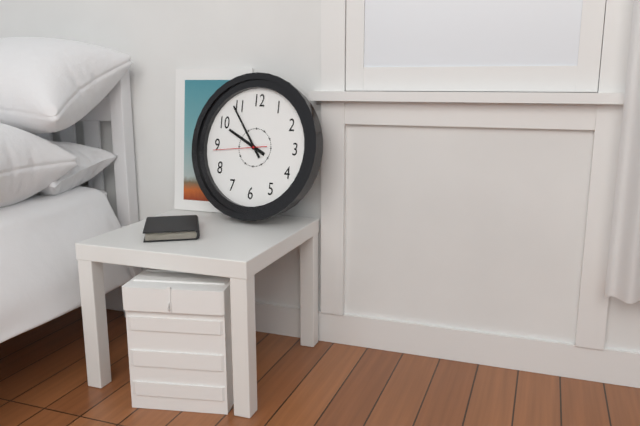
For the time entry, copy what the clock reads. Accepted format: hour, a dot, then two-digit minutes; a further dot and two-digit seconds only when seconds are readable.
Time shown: 9.54.44
